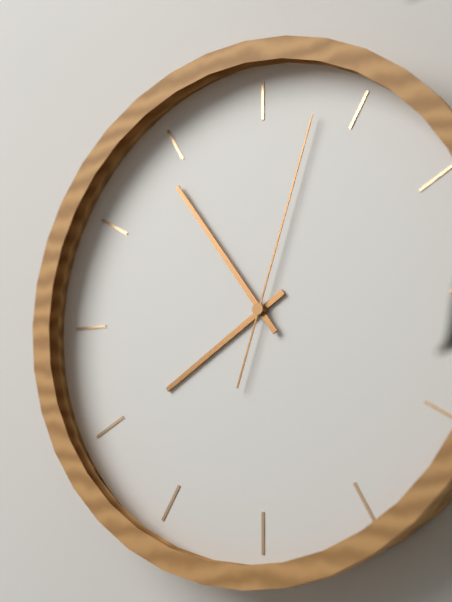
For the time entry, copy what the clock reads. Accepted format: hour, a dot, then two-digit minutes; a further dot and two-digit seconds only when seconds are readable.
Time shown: 7.54.03
